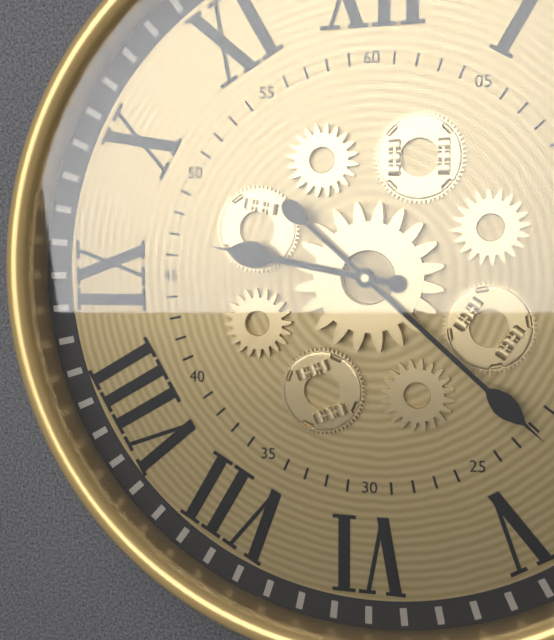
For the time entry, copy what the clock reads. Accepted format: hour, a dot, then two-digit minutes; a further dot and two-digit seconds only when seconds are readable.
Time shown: 9.22
